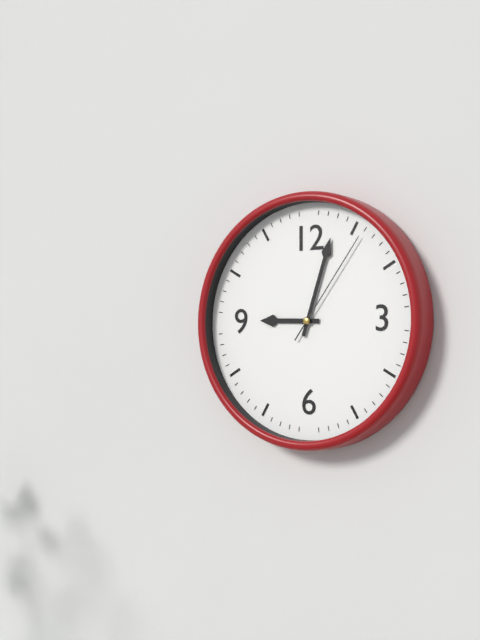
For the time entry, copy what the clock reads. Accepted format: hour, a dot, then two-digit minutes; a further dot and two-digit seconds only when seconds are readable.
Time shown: 9.03.06
